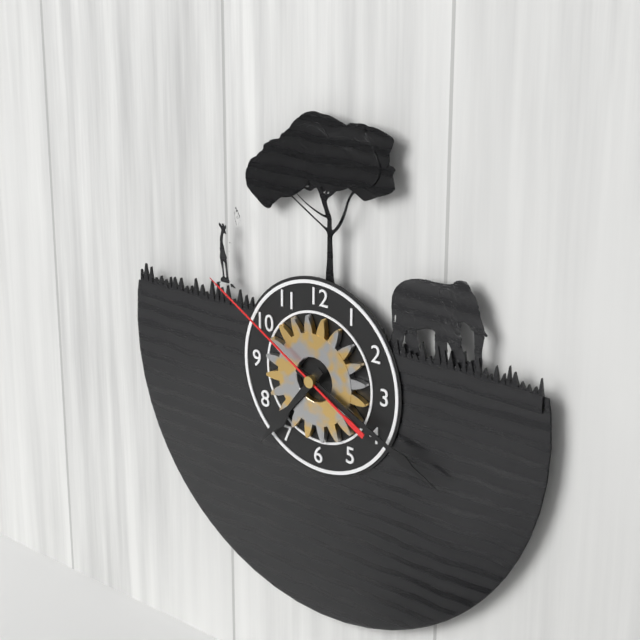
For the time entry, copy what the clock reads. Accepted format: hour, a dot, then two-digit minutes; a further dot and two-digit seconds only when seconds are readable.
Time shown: 7.19.50
